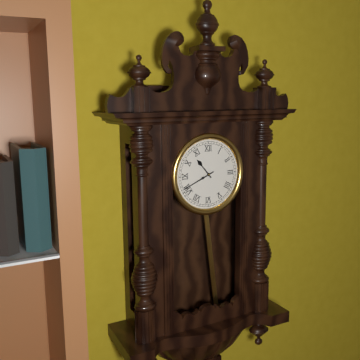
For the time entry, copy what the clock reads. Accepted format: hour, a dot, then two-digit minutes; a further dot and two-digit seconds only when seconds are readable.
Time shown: 10.41
